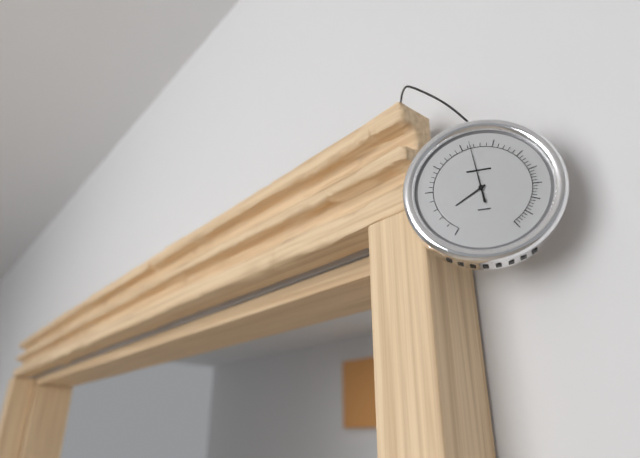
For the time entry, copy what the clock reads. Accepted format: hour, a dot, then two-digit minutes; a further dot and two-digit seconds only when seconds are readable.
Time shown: 7.59
